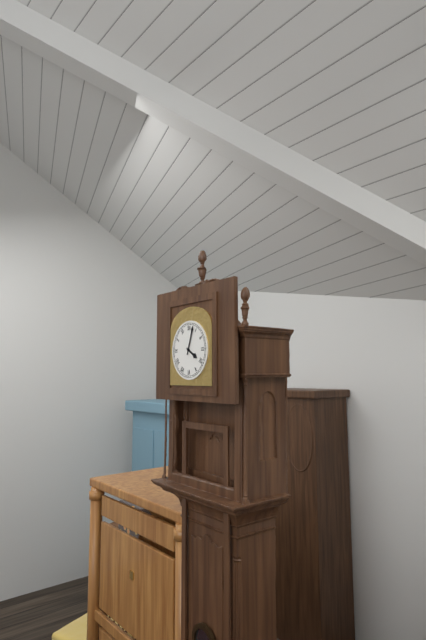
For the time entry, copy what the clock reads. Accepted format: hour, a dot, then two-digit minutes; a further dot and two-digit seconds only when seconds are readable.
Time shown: 4.03
